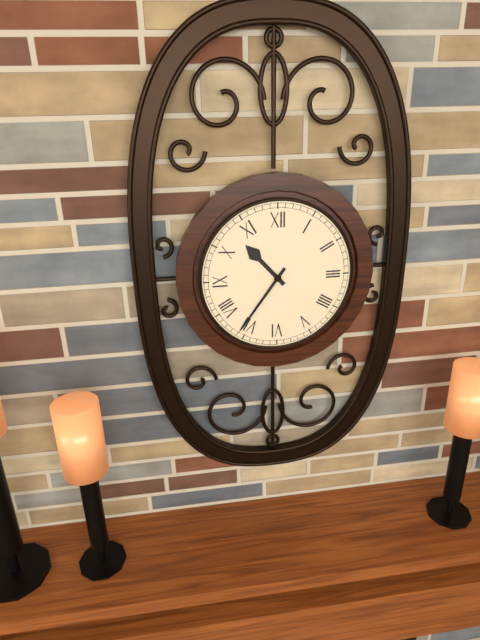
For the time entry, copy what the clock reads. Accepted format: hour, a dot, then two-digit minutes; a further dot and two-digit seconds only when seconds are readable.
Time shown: 10.36
